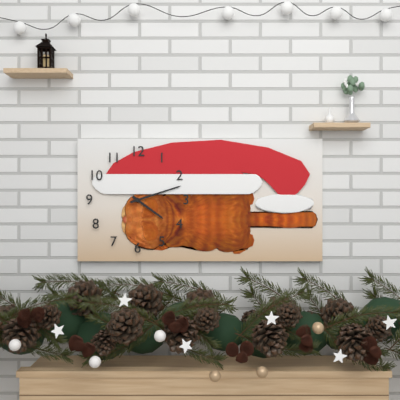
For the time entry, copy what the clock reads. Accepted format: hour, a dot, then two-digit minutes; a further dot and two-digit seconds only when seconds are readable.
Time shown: 4.12
